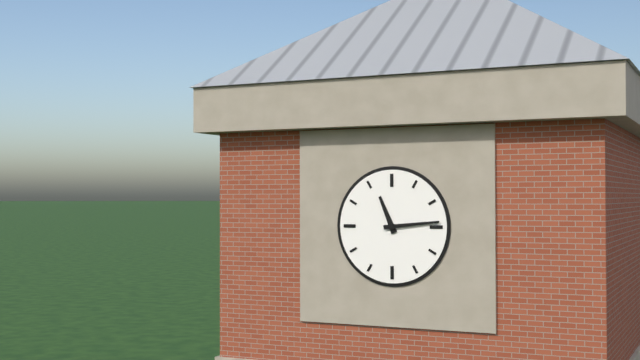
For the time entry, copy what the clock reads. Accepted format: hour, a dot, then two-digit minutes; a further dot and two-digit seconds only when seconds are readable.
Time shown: 11.14
